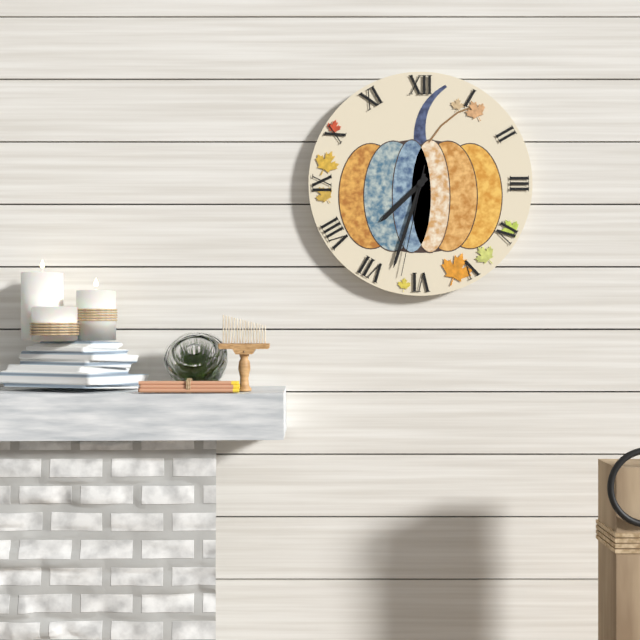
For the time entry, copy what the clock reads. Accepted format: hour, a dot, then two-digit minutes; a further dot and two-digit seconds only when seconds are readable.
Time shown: 7.33.32
